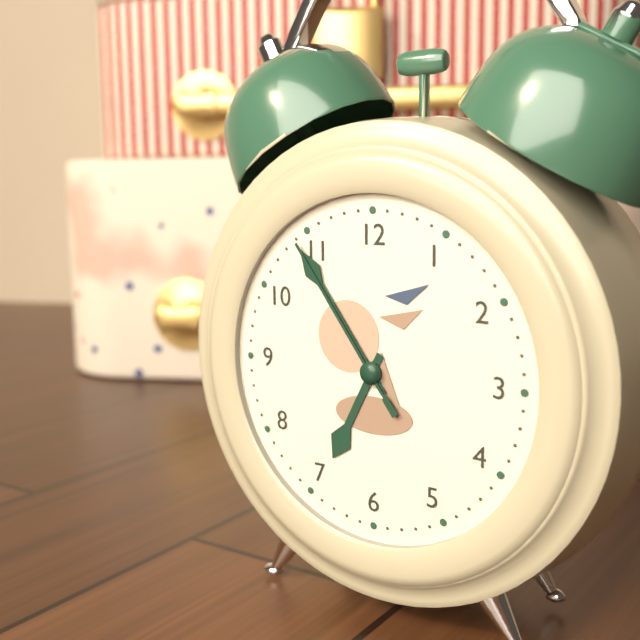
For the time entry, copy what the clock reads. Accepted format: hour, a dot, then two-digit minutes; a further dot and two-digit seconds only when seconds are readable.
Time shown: 6.54.54
